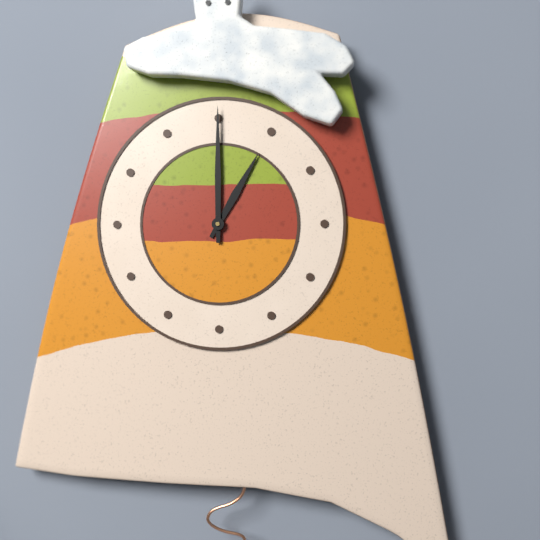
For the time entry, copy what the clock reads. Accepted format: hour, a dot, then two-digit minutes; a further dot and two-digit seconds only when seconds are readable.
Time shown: 1.00
